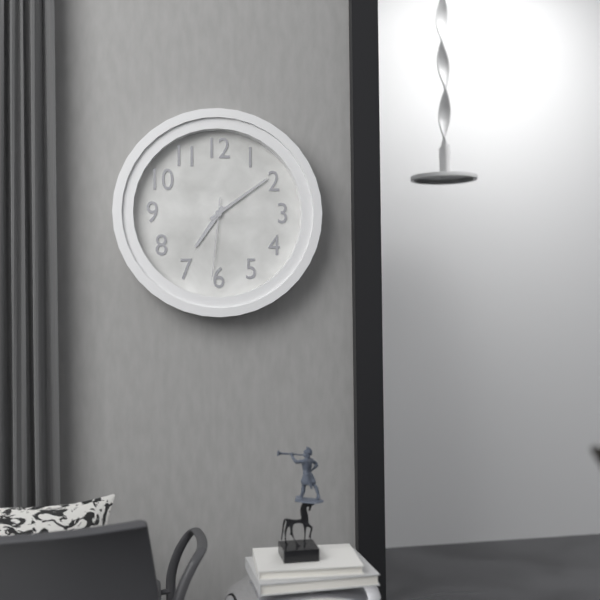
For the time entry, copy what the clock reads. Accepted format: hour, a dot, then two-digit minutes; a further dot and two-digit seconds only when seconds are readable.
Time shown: 7.09.31
